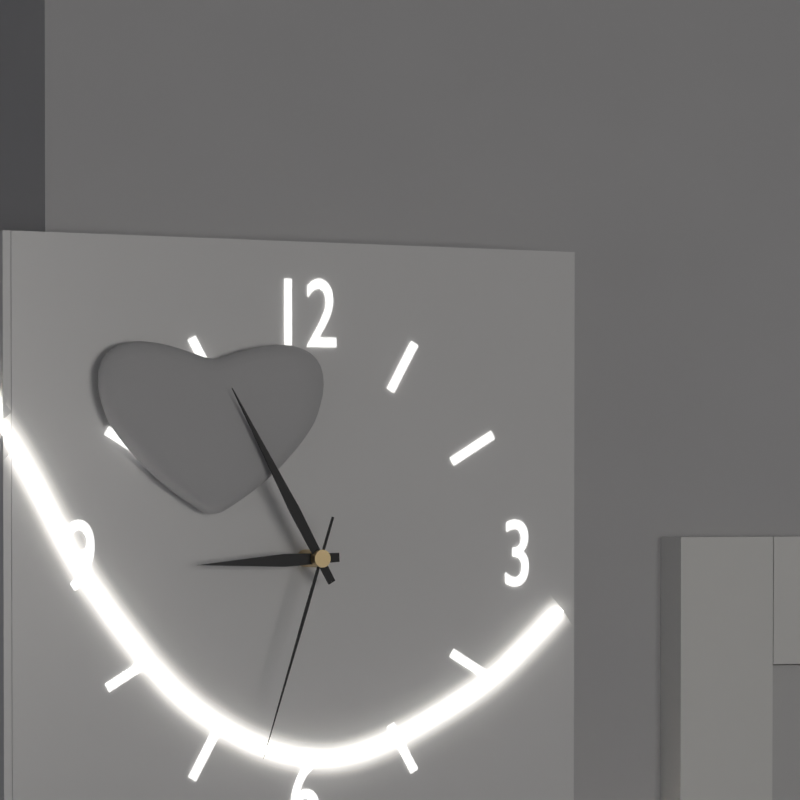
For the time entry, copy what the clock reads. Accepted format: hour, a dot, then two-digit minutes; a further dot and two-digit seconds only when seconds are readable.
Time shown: 8.55.33
